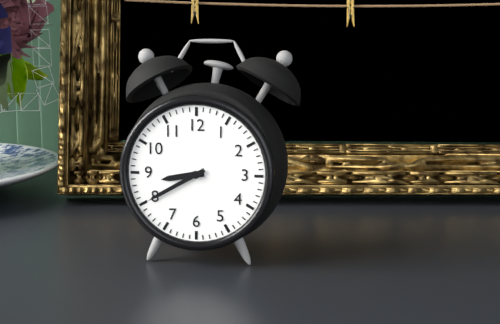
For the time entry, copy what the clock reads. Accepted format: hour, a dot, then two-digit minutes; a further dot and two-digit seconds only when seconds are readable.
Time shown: 8.40
